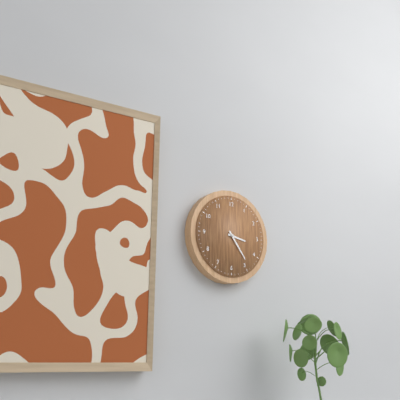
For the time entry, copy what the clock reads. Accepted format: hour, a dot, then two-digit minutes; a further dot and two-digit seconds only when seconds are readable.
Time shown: 3.24
